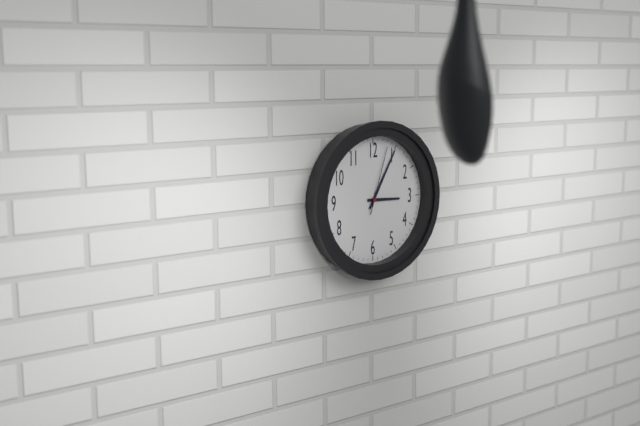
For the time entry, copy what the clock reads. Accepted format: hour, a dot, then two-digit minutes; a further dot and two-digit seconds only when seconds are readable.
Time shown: 3.05.03
